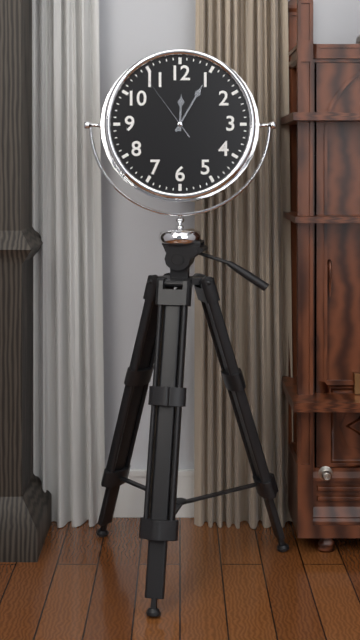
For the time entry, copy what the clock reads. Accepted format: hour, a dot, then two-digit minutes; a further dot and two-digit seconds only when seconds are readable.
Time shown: 12.05.54
